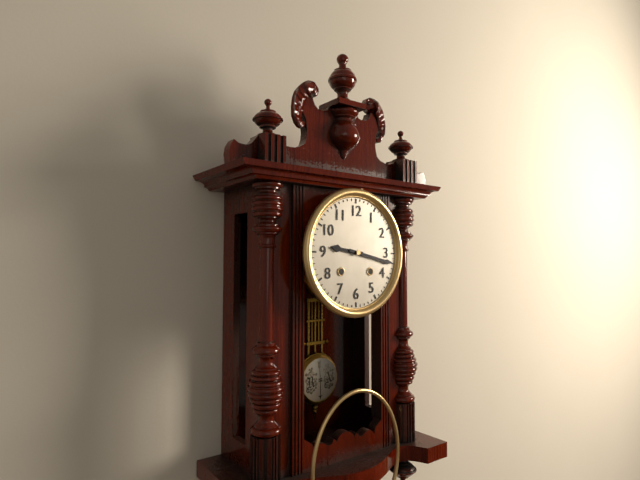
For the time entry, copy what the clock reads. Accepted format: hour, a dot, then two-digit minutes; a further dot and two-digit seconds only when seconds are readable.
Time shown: 9.17
